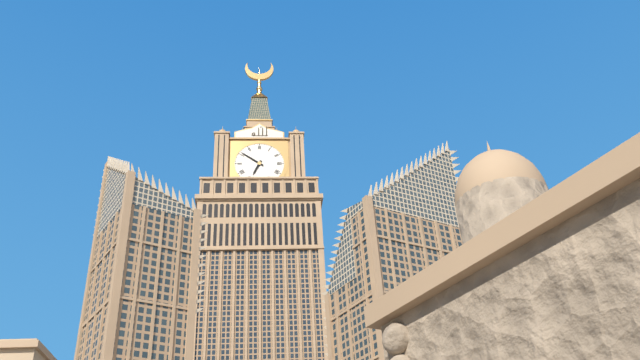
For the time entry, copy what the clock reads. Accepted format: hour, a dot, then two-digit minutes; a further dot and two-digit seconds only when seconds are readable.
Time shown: 6.51
